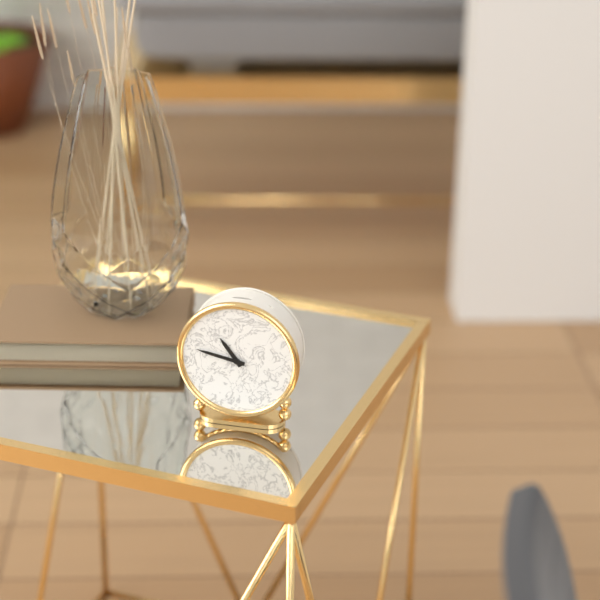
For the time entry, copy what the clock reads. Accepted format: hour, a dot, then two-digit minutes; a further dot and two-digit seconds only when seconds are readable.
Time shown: 10.47
